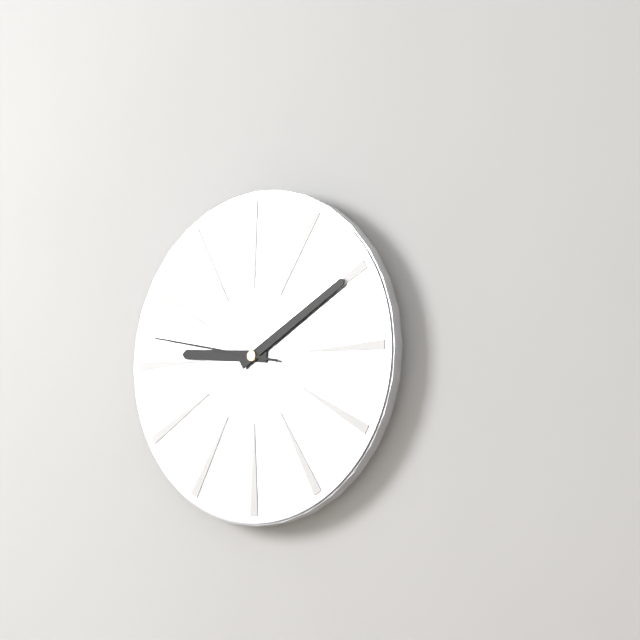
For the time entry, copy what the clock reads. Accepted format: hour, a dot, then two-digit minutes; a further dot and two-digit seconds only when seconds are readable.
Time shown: 9.10.47
